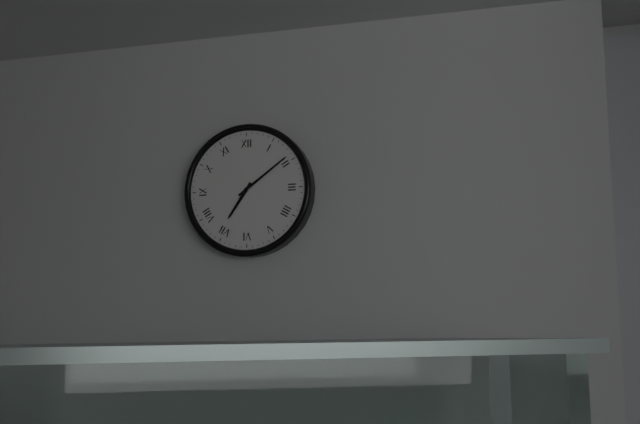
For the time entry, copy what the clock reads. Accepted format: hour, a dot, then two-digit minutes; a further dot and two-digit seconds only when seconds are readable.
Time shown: 7.09
